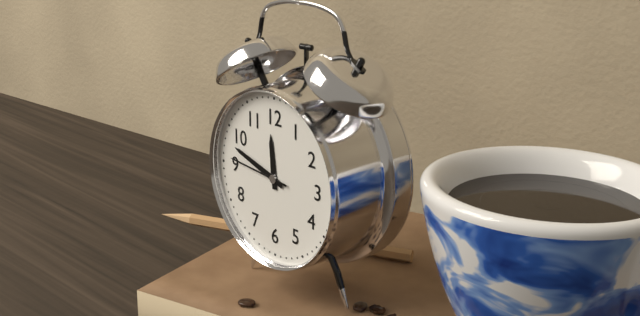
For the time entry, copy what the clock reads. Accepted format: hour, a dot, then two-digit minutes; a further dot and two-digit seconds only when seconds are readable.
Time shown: 11.48.46
